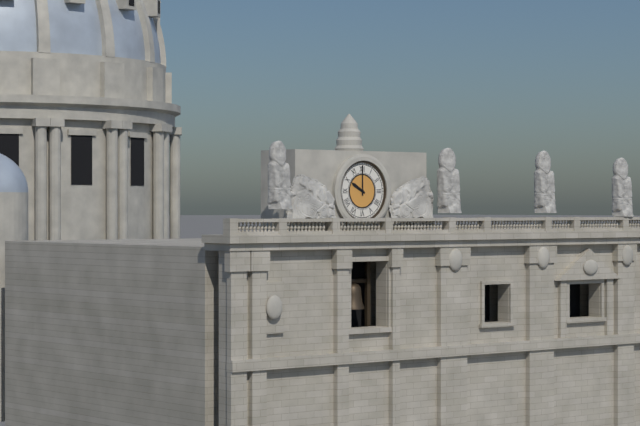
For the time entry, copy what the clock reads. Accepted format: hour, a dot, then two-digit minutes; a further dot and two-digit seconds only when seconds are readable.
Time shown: 10.00
